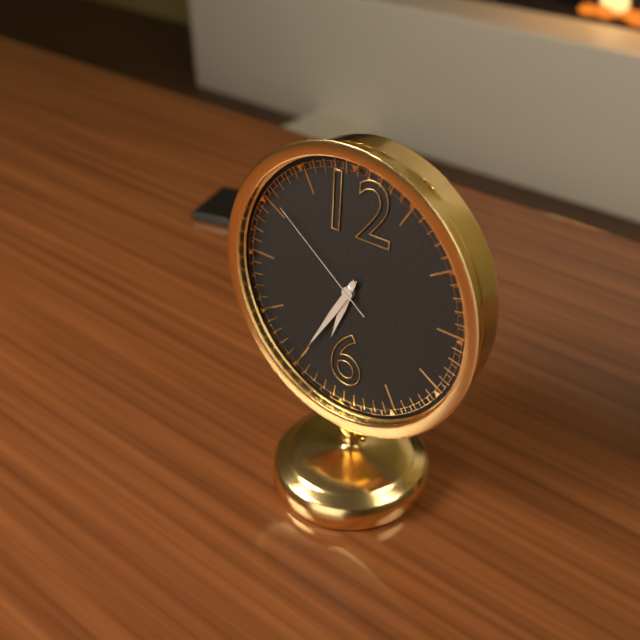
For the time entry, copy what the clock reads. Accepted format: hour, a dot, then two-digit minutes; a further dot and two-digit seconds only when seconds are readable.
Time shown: 6.35.51
